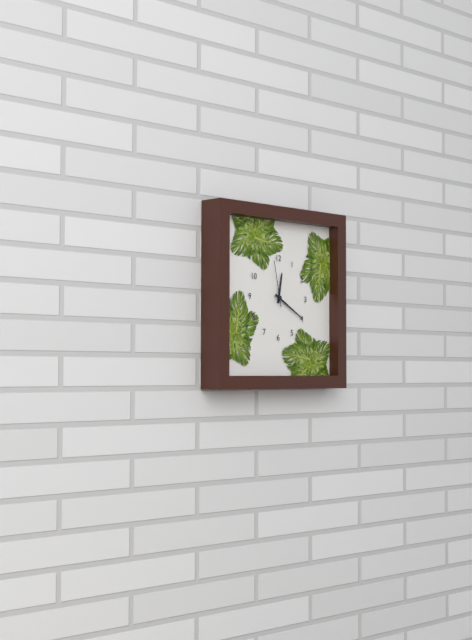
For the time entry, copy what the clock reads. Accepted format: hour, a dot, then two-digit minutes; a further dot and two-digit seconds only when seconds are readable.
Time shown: 12.20
